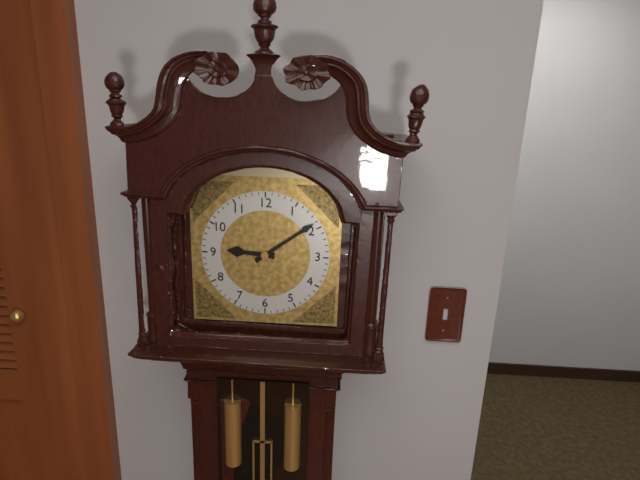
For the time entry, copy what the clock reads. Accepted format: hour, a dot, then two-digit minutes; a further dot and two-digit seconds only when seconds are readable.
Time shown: 9.09
